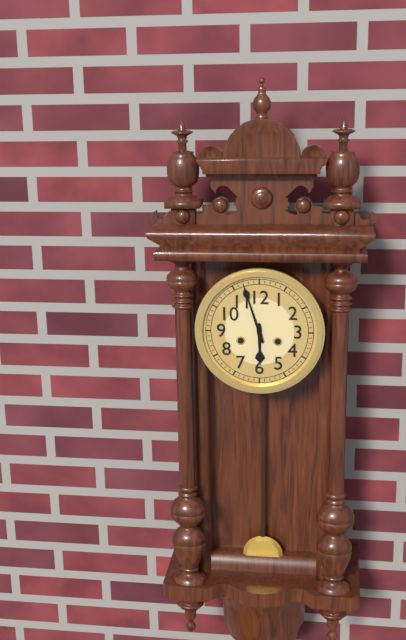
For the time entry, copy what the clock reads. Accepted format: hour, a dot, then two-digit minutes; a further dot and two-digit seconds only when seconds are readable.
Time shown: 5.57
